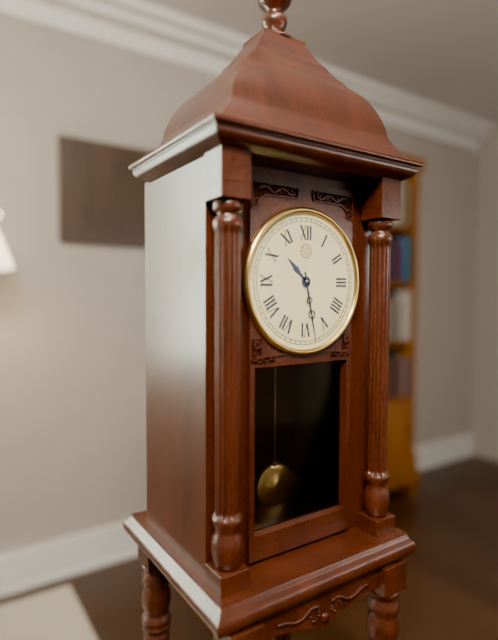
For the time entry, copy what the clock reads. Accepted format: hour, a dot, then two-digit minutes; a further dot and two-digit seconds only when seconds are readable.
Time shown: 10.28
